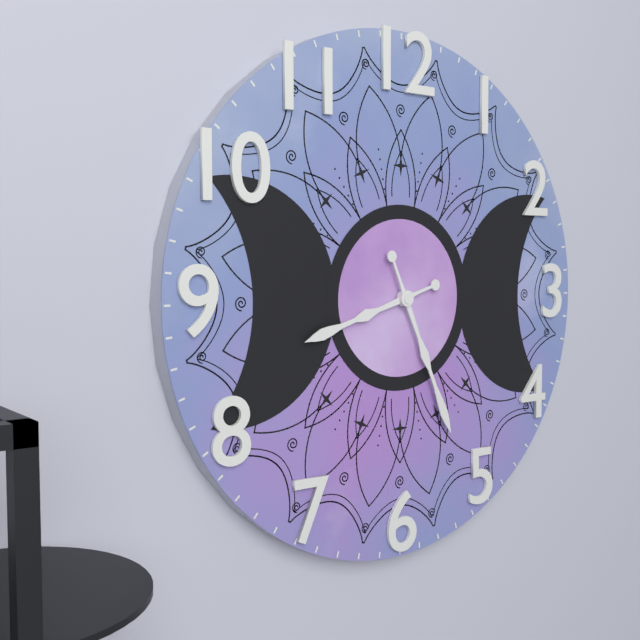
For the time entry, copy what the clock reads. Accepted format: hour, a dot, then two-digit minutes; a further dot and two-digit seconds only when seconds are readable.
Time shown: 8.26
